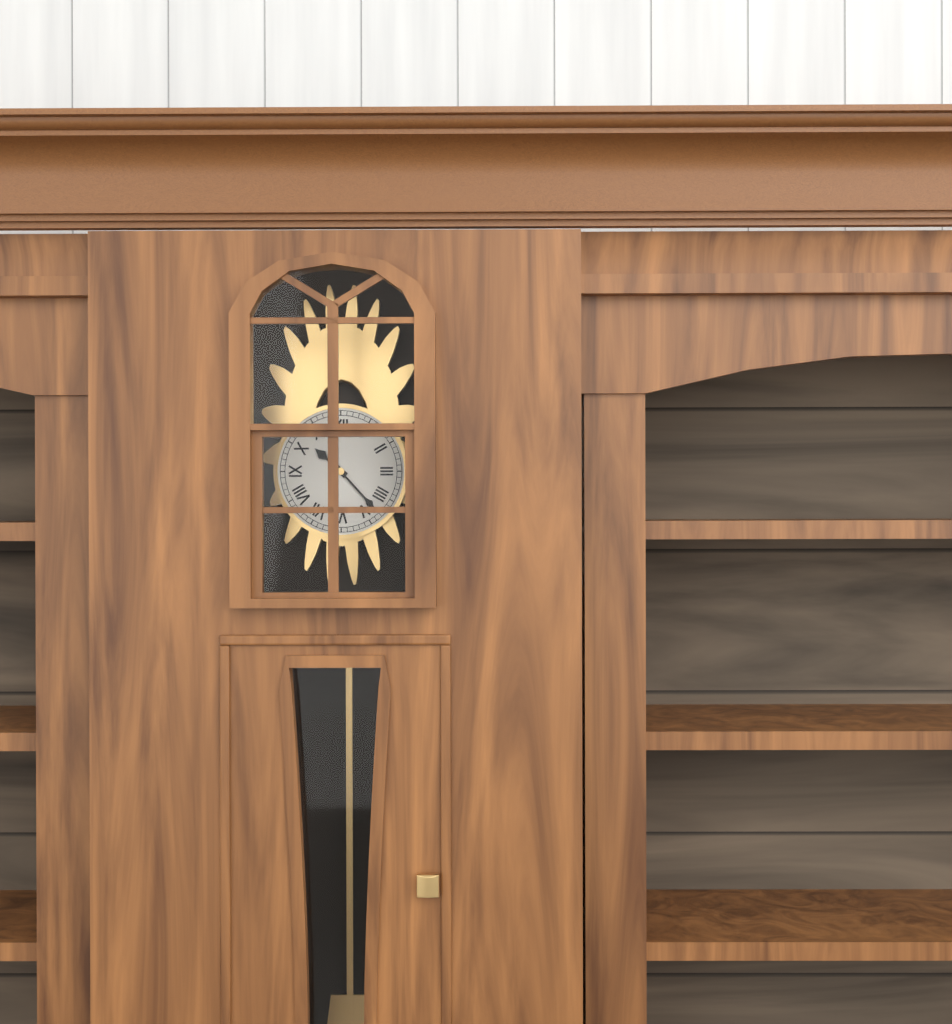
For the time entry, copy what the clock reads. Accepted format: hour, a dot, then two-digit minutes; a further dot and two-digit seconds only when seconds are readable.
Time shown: 10.23
